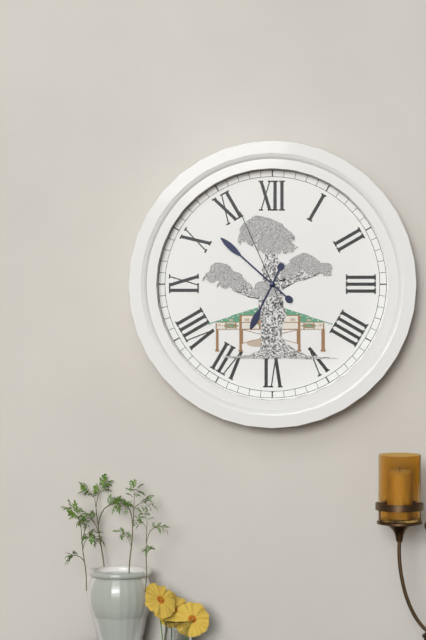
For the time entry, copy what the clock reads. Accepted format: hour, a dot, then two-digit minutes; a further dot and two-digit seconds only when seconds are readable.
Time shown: 6.52.56
